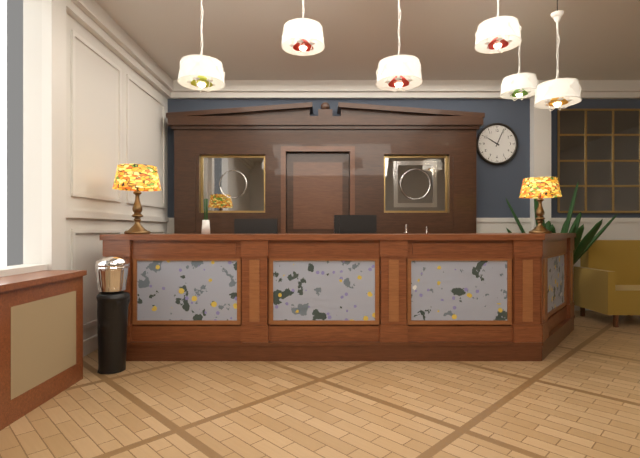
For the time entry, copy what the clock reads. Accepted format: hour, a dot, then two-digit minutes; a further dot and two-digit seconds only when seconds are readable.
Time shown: 10.04
